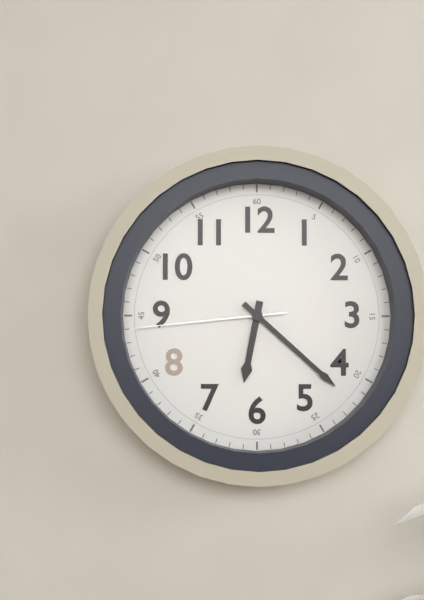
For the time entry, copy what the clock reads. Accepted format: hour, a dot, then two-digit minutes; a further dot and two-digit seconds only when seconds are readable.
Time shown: 6.22.44
